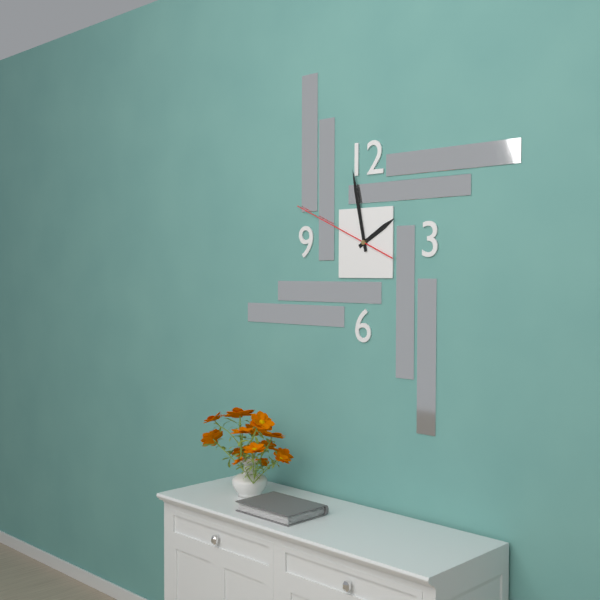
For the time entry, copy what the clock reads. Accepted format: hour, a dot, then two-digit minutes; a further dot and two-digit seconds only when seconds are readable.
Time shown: 1.58.49
